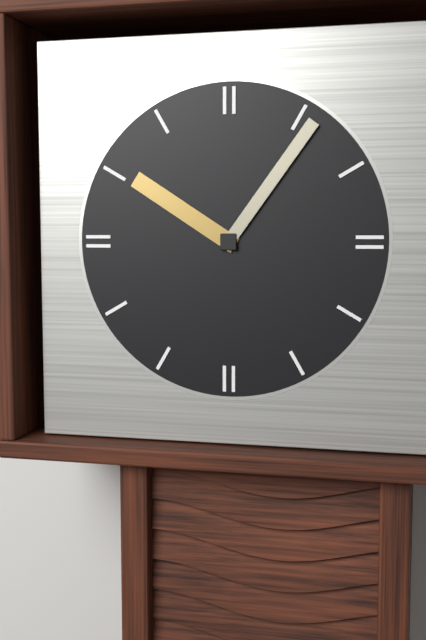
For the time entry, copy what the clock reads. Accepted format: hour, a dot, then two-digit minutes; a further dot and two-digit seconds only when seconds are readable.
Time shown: 10.06
